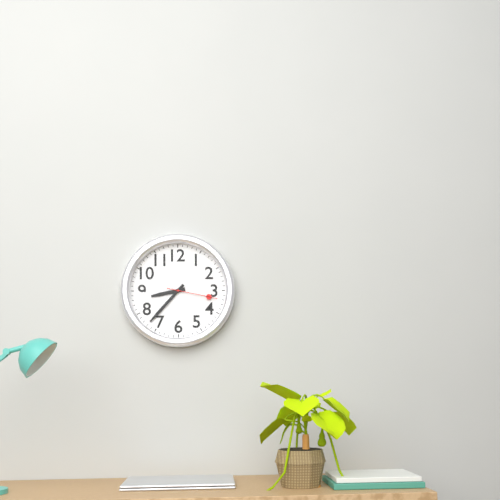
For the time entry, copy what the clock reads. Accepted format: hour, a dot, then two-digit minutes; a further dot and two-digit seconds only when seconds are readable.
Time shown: 8.37.17
